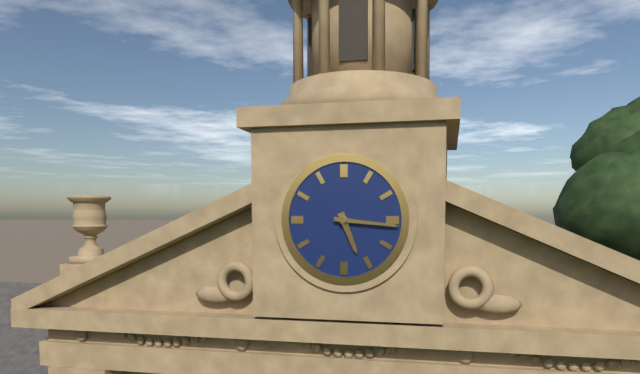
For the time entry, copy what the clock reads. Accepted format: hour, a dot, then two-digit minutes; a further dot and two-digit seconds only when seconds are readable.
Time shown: 5.16
